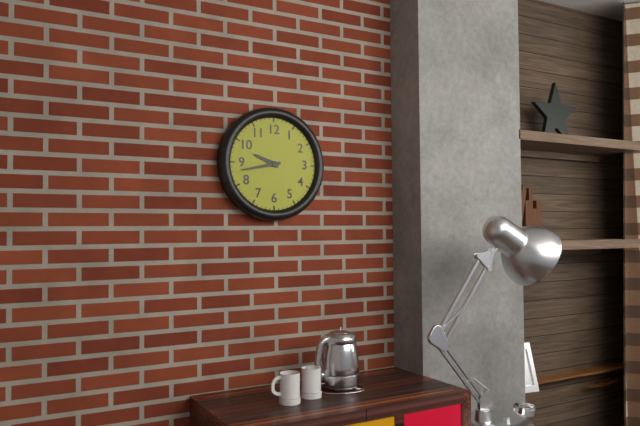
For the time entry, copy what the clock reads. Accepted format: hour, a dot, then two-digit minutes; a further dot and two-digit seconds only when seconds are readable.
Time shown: 9.43
